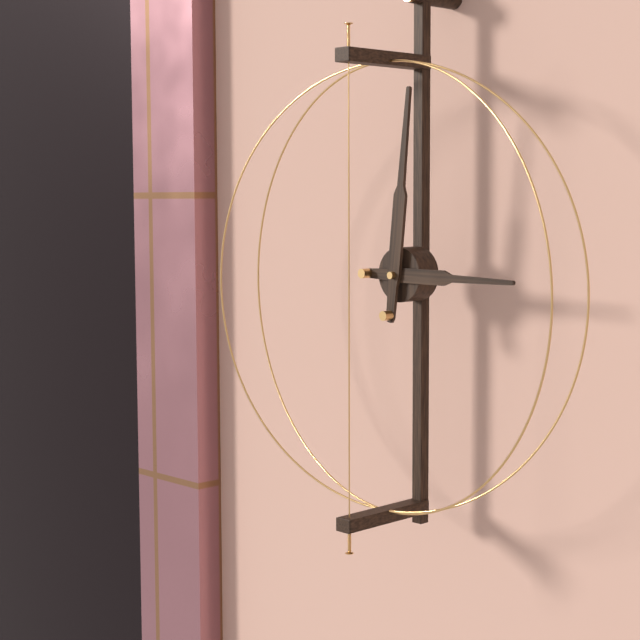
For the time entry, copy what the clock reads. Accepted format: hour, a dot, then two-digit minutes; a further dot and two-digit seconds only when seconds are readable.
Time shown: 3.01
